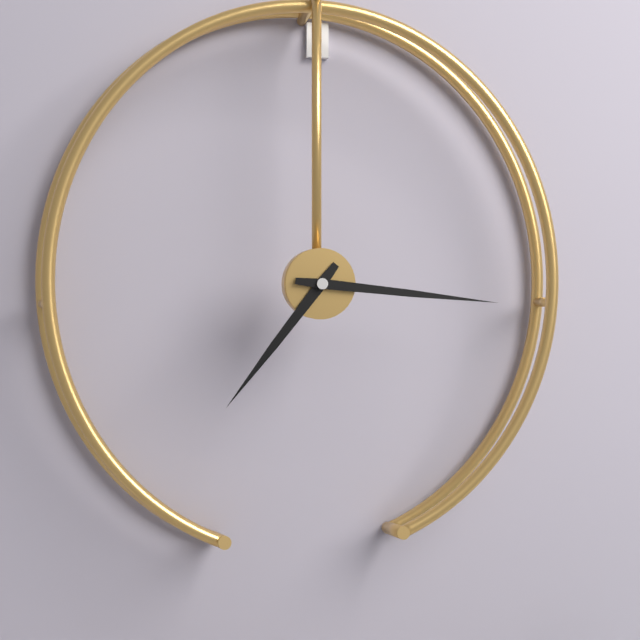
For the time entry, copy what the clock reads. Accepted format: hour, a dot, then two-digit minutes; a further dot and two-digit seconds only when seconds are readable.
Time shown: 7.16
